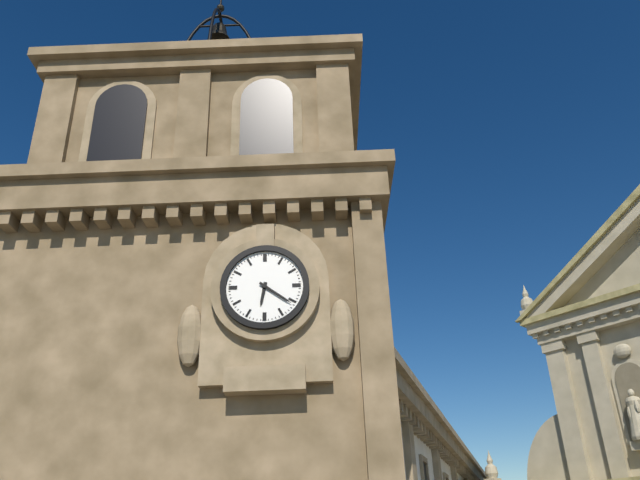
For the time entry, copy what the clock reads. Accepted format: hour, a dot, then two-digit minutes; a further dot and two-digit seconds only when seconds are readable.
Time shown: 6.21
